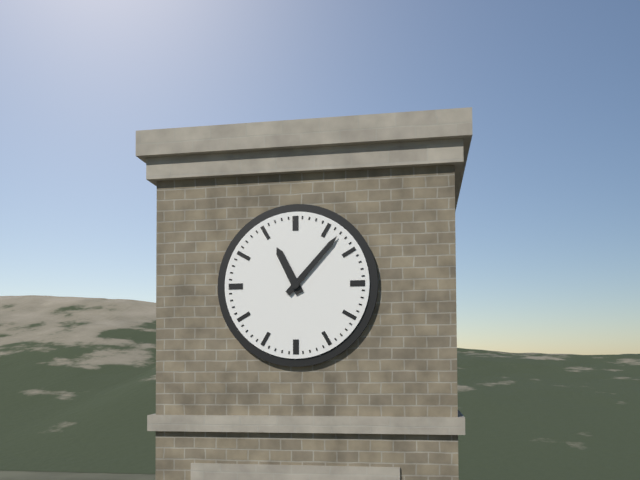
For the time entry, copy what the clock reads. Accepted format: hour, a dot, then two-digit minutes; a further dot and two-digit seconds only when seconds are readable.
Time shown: 11.07
